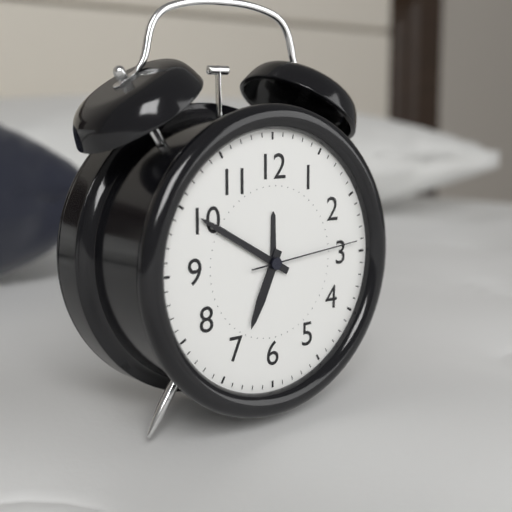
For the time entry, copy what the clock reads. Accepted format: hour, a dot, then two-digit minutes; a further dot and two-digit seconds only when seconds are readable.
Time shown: 6.50.14
